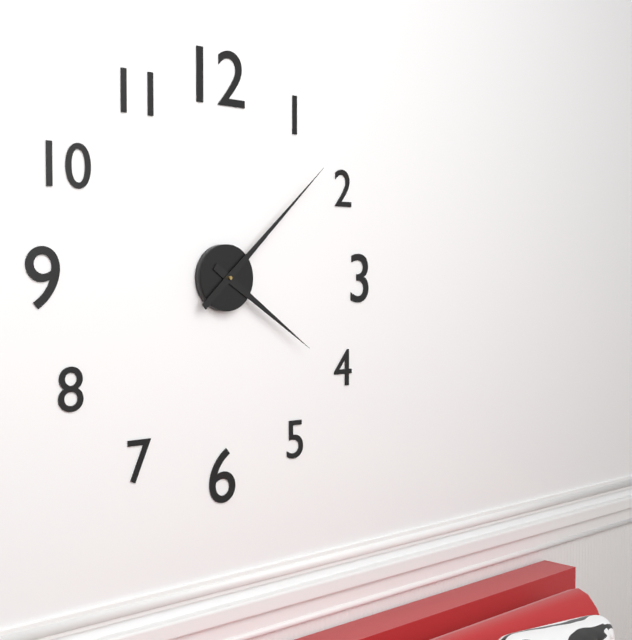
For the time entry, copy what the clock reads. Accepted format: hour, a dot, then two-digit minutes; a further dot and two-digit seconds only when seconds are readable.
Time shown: 4.08
